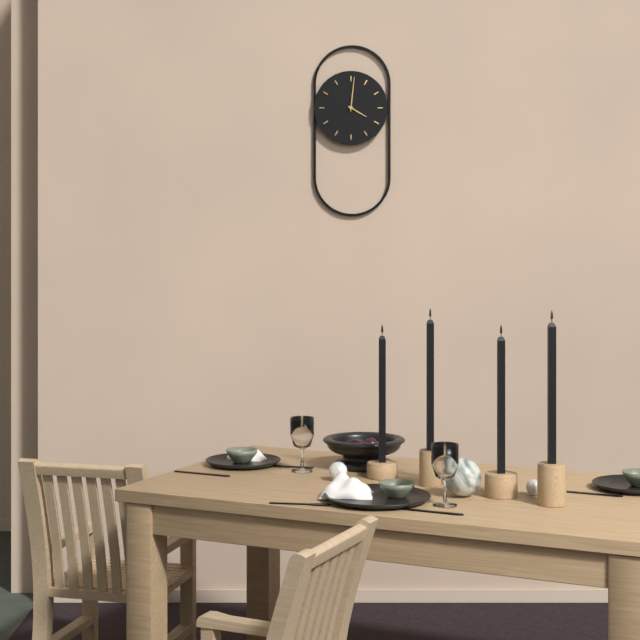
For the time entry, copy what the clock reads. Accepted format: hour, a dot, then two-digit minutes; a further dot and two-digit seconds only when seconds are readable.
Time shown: 4.01
